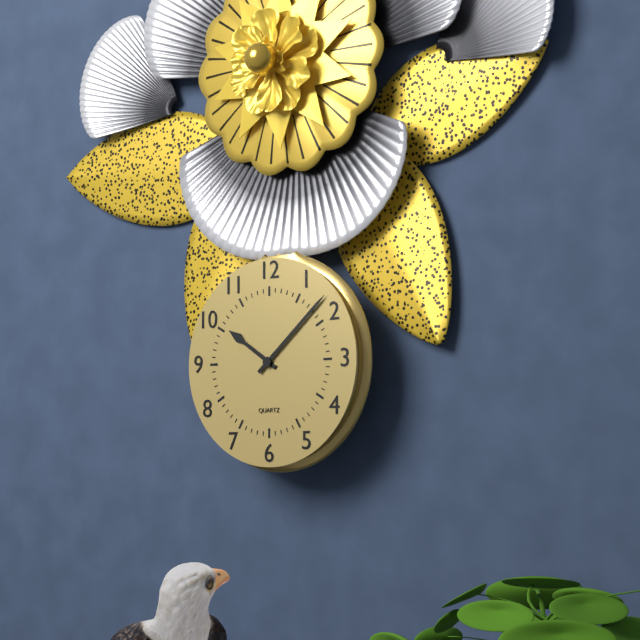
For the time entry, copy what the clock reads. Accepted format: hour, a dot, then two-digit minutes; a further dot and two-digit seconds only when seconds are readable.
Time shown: 10.08
